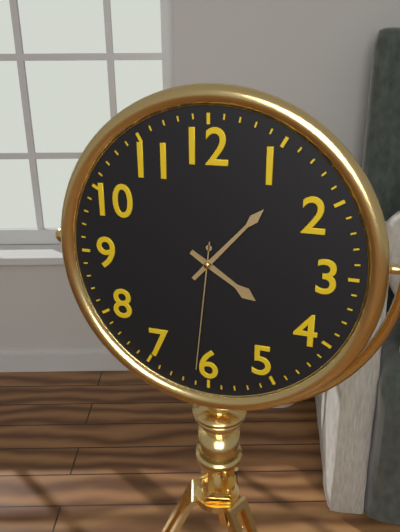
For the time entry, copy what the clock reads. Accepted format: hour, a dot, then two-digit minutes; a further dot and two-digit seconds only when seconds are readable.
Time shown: 4.07.31
